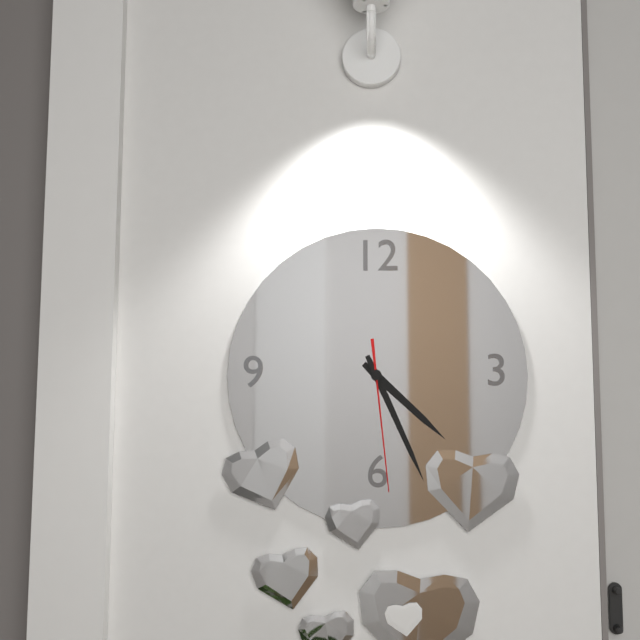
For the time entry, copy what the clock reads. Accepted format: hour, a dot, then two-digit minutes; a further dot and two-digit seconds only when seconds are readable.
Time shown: 4.26.29
